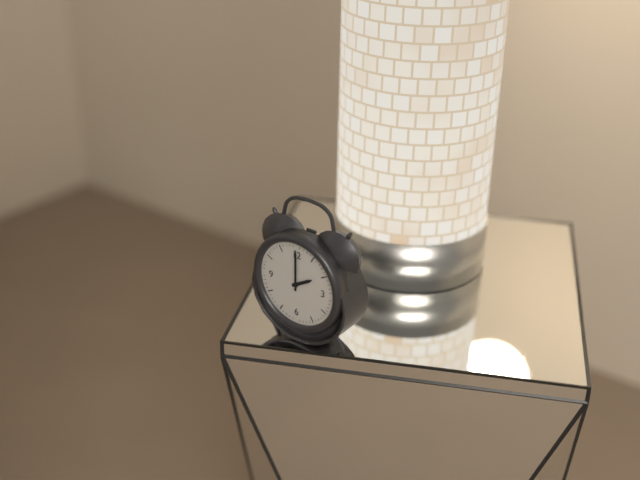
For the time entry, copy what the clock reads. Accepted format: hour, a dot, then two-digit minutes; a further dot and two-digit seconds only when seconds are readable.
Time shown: 2.00
